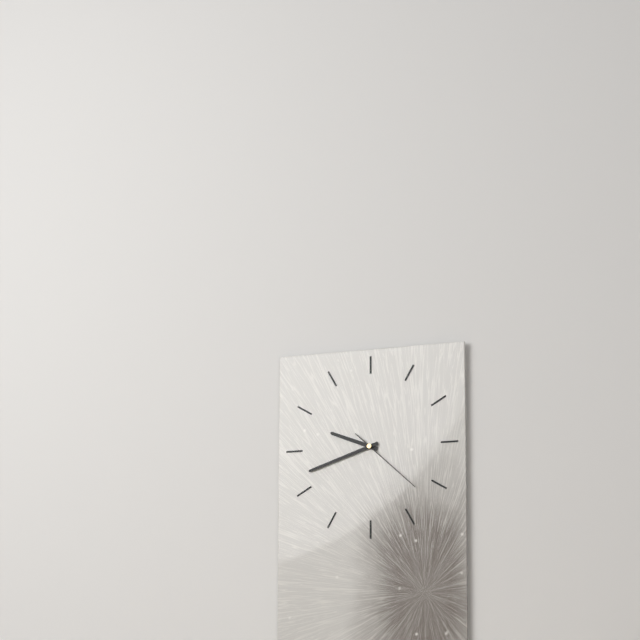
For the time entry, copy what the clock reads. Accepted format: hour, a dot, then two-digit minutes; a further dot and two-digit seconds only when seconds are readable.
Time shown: 9.42.22
